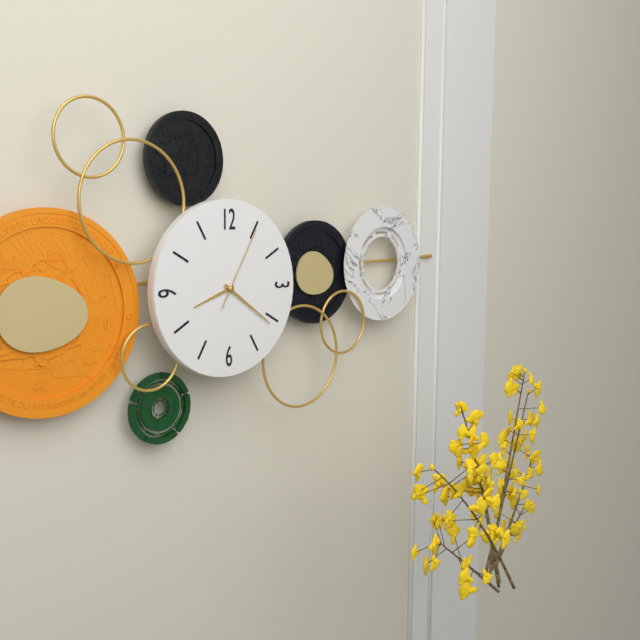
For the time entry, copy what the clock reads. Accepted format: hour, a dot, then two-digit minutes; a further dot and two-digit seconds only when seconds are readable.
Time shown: 8.21.05
